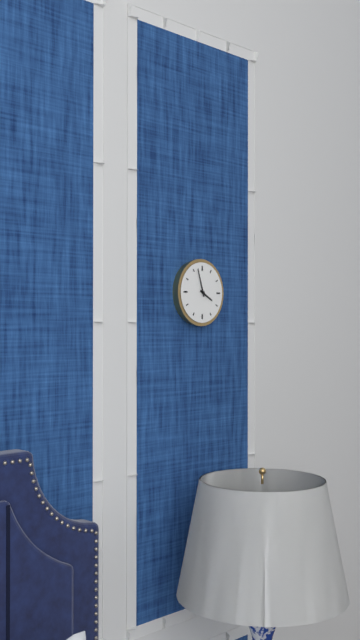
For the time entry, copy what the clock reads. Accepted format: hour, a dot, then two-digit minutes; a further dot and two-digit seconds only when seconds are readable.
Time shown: 3.57
